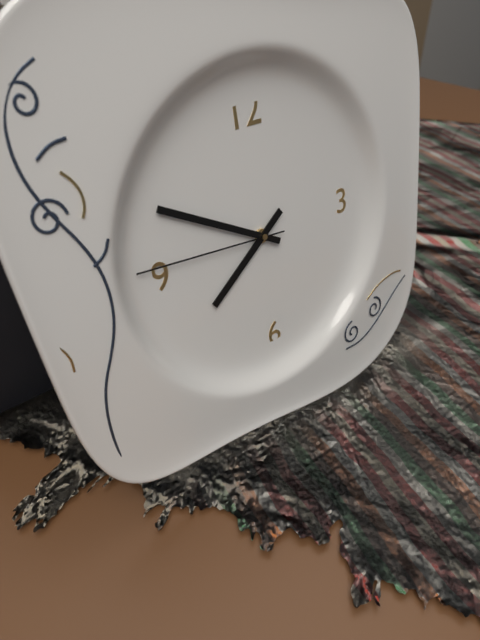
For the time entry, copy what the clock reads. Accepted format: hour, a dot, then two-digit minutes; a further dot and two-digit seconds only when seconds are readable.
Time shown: 7.50.46
